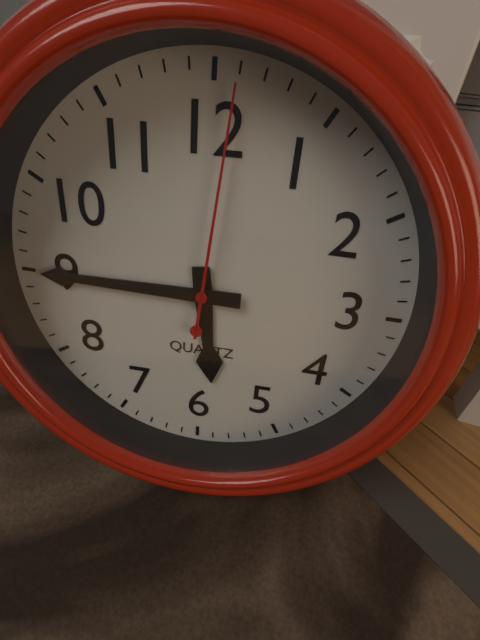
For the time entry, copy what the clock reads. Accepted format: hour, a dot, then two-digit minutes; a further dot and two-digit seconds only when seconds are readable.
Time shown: 5.45.01
